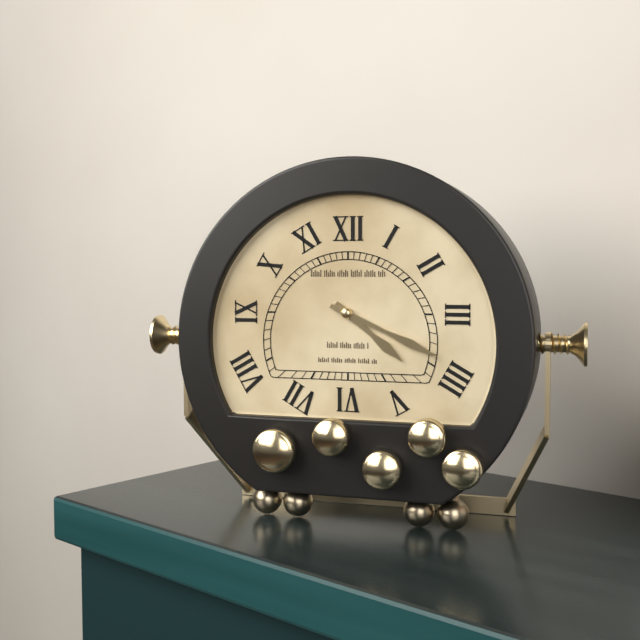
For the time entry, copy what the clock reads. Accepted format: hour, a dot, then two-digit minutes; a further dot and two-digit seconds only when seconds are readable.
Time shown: 4.19
